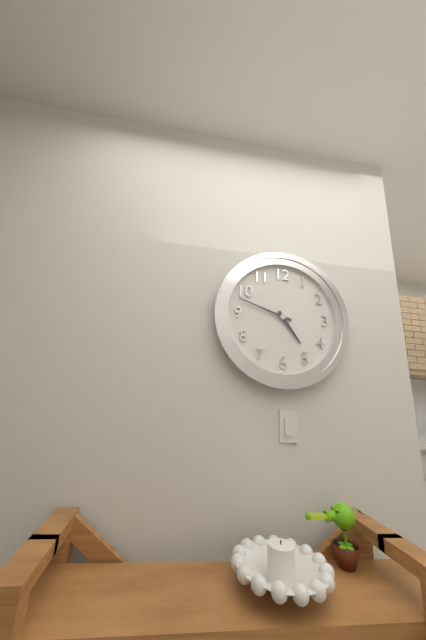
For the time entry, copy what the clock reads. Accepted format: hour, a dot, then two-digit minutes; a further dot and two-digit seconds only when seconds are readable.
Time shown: 4.48
